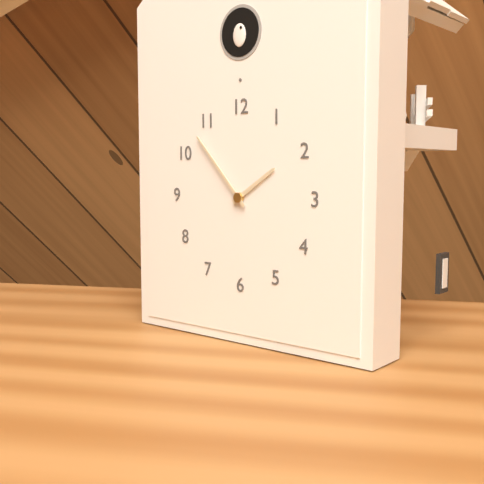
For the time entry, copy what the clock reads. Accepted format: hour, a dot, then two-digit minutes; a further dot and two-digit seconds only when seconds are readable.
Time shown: 1.53
